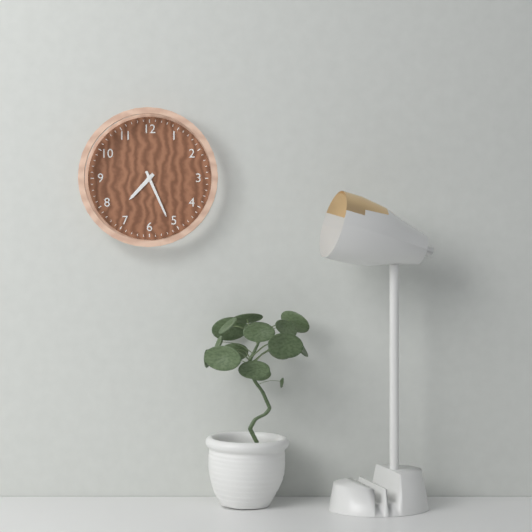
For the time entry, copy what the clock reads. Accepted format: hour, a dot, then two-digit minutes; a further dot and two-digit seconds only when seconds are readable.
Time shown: 7.26
